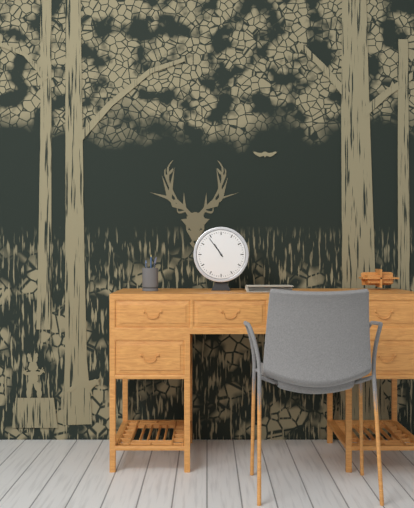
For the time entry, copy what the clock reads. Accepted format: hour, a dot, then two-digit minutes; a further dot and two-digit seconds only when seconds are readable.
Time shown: 10.54
